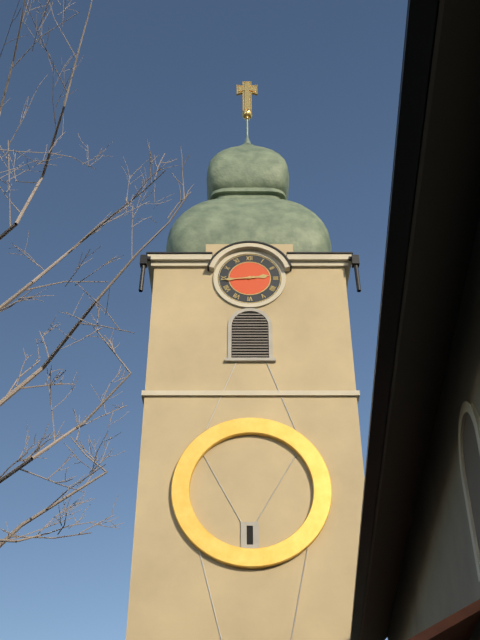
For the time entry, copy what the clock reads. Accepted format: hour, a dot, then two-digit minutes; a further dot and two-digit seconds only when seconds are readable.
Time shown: 2.44
